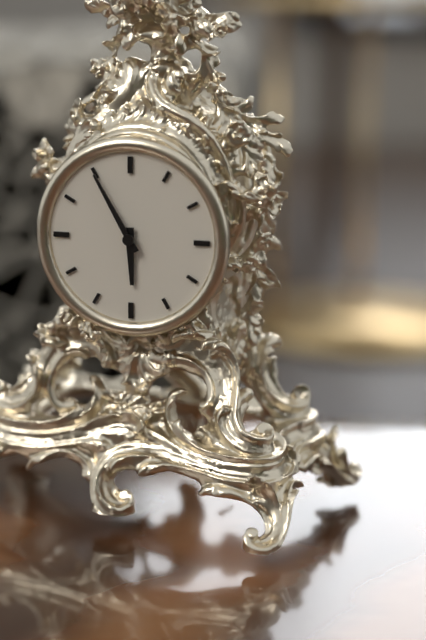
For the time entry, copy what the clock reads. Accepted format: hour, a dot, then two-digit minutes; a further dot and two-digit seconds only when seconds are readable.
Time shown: 5.55
